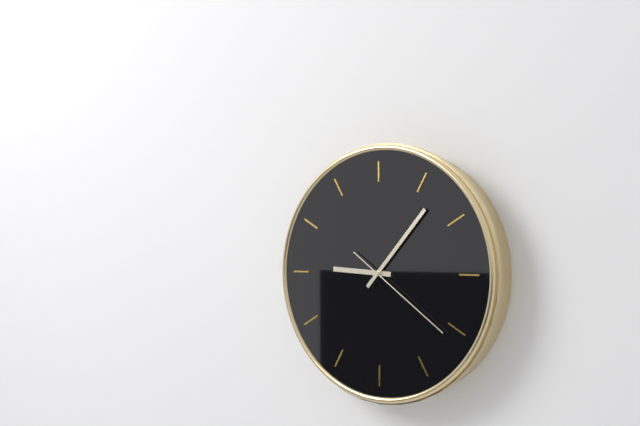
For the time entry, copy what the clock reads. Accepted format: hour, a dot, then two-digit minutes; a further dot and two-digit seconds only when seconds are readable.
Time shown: 9.07.21
